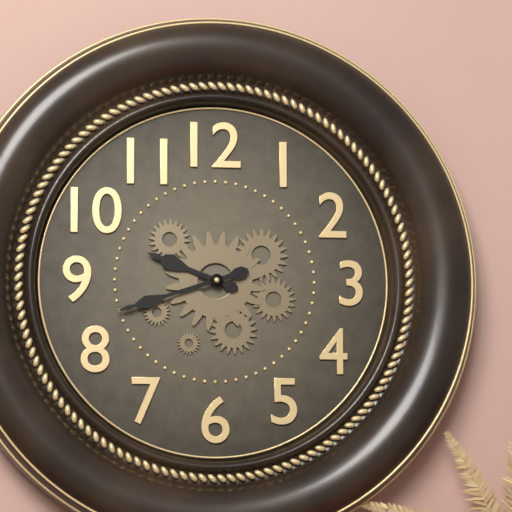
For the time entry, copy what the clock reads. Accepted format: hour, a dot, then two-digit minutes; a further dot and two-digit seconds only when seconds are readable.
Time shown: 9.42
